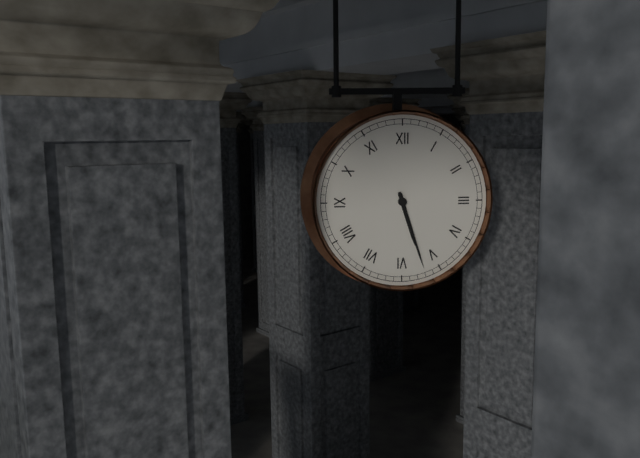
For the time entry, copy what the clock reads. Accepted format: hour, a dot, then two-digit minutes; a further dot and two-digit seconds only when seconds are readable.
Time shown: 5.27
